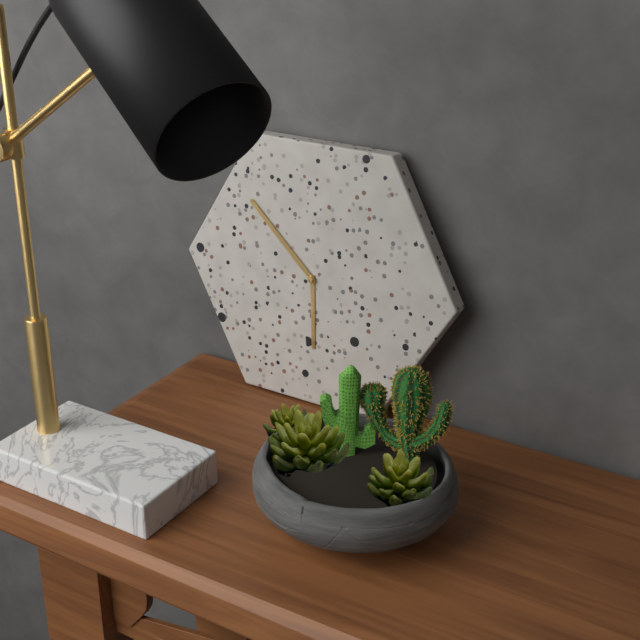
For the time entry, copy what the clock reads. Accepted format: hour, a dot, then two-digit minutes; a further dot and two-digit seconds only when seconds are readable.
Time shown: 5.52
